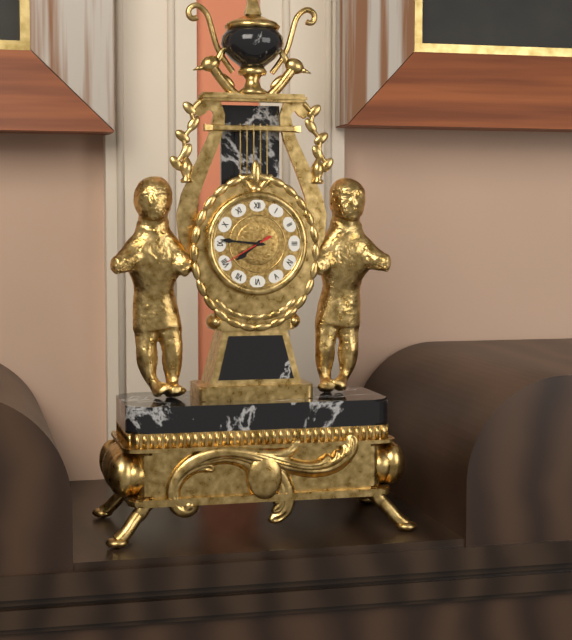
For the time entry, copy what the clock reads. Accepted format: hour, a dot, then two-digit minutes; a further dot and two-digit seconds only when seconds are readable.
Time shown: 7.46
